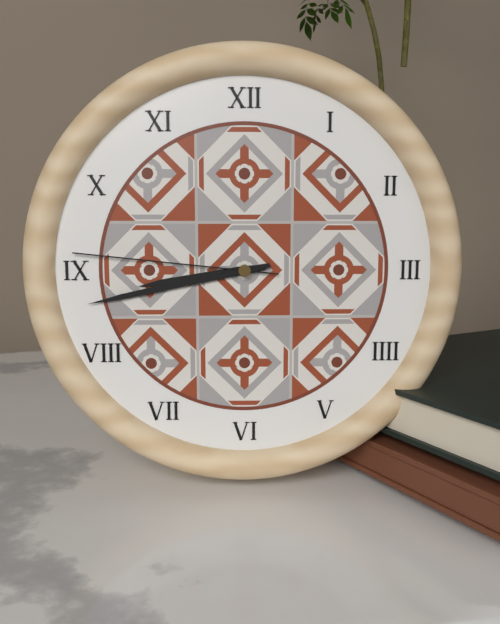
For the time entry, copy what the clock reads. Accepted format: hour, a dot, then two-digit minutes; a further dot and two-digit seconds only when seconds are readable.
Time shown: 8.43.46
